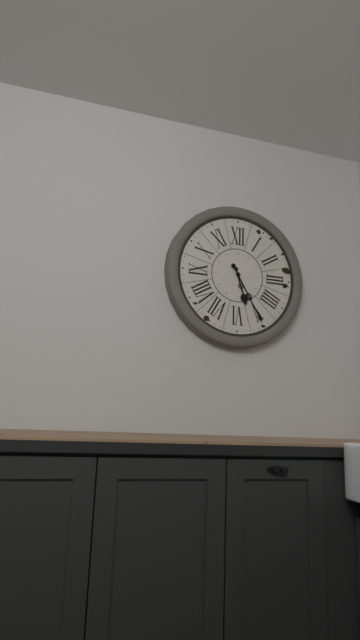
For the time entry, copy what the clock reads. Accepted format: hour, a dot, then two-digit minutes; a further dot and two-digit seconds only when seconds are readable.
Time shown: 5.25
